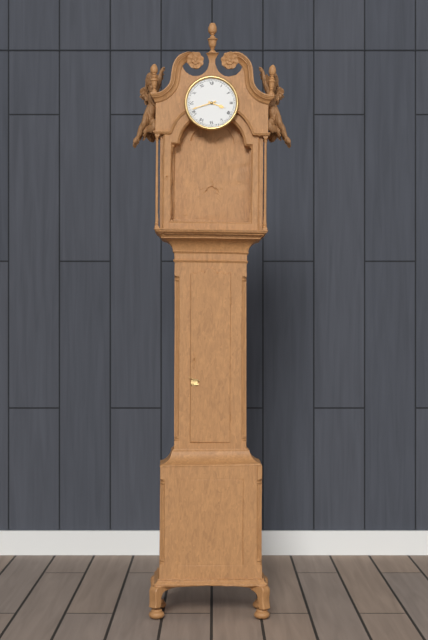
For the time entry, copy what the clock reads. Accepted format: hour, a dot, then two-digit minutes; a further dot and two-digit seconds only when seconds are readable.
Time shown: 3.42
